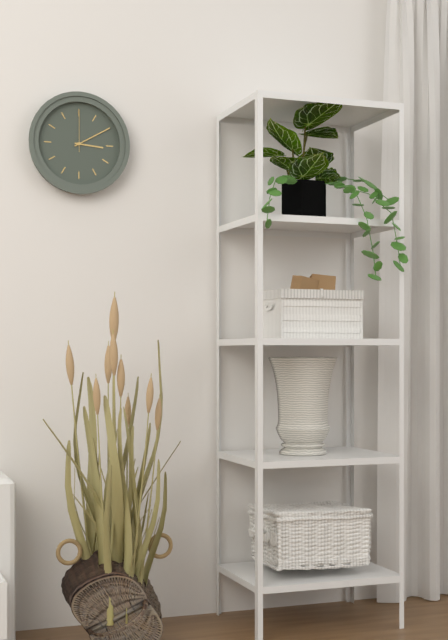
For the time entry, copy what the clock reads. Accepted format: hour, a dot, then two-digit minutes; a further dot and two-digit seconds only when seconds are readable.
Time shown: 3.10
